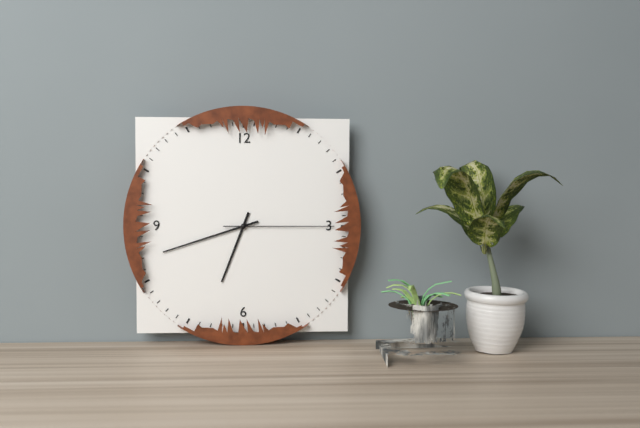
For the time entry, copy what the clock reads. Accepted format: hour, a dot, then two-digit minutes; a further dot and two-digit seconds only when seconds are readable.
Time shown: 6.42.15
